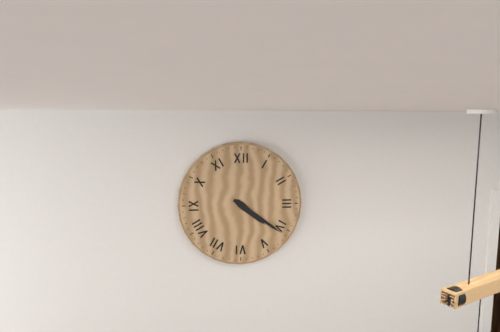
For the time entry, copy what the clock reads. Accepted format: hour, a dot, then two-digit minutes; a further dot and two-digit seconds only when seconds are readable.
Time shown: 4.21
